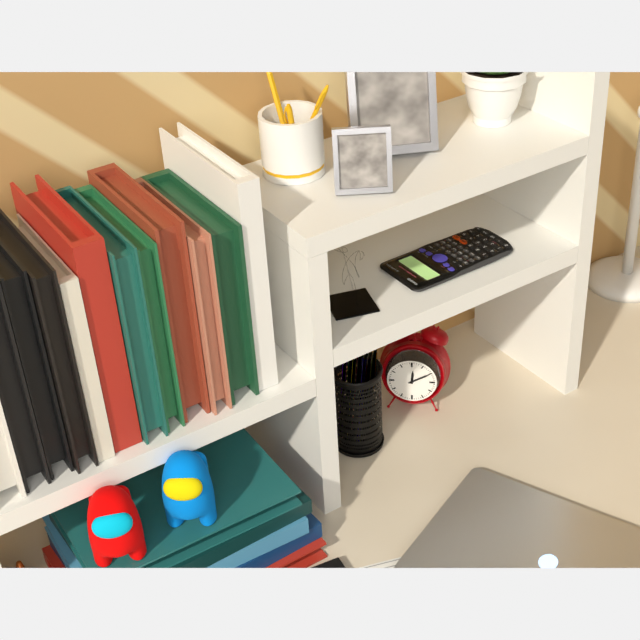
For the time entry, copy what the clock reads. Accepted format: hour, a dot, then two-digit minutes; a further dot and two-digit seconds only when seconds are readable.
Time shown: 12.10
